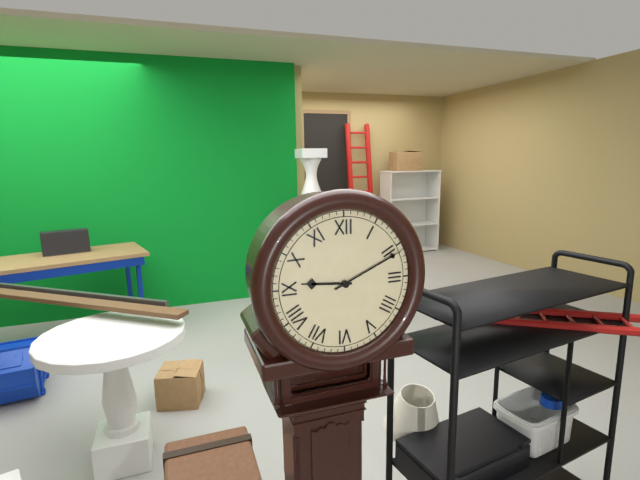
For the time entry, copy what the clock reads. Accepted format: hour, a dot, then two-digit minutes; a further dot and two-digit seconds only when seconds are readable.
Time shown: 9.11
